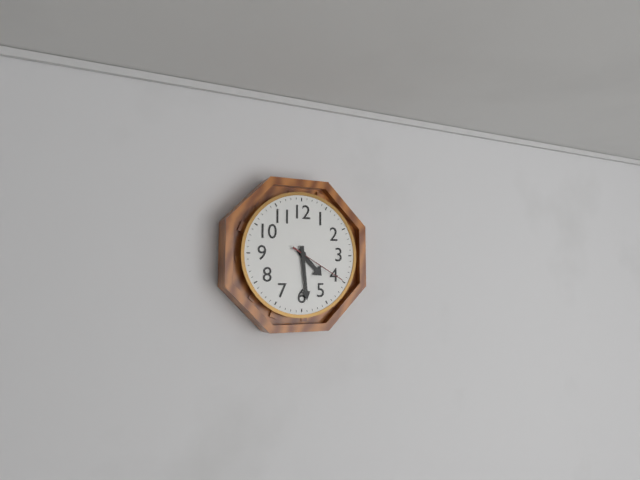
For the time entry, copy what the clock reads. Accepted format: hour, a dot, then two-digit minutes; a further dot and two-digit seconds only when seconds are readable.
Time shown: 4.29.20
